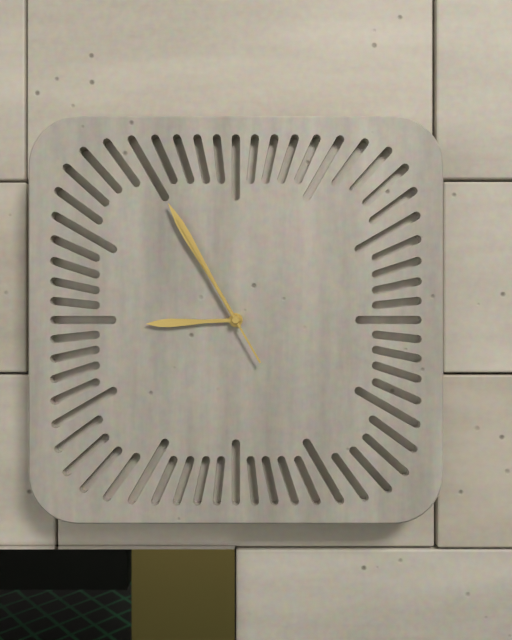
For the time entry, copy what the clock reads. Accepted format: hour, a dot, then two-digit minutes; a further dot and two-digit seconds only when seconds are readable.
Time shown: 8.55.55
